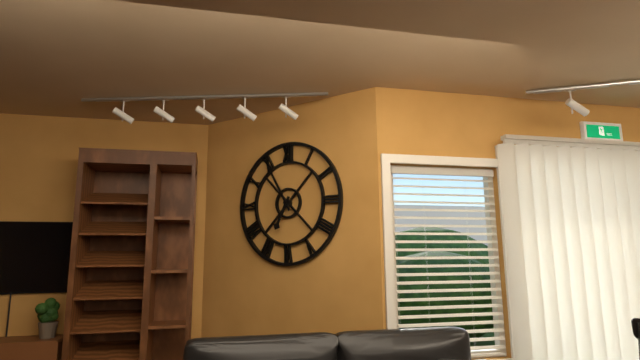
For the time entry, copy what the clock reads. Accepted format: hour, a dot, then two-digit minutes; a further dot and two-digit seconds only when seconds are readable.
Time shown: 6.55
